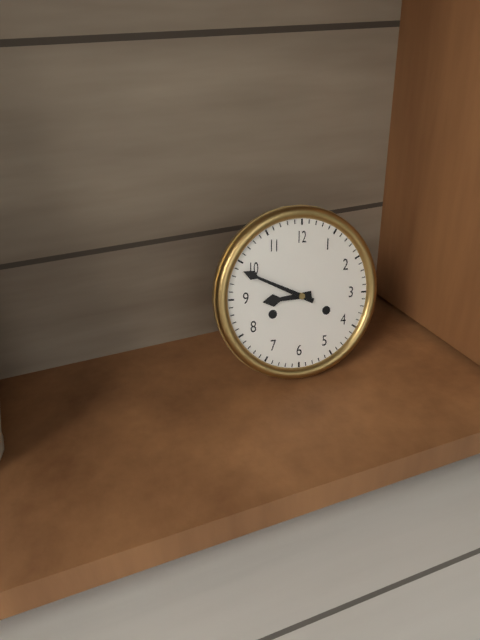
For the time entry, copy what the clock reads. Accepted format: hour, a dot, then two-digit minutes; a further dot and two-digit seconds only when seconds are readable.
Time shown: 8.49
